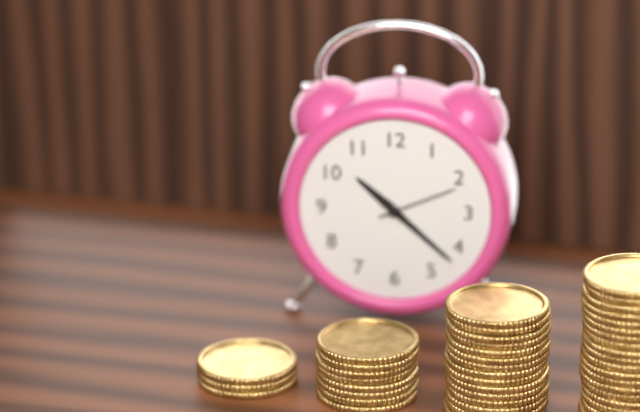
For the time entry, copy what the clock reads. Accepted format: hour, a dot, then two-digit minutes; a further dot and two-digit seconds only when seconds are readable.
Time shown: 10.22.11
